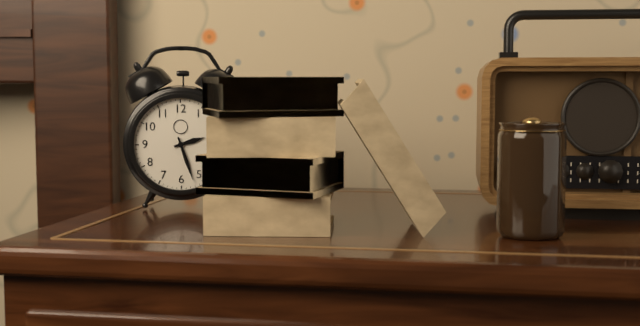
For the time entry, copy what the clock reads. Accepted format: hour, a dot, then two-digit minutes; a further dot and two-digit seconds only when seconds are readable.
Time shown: 2.27
